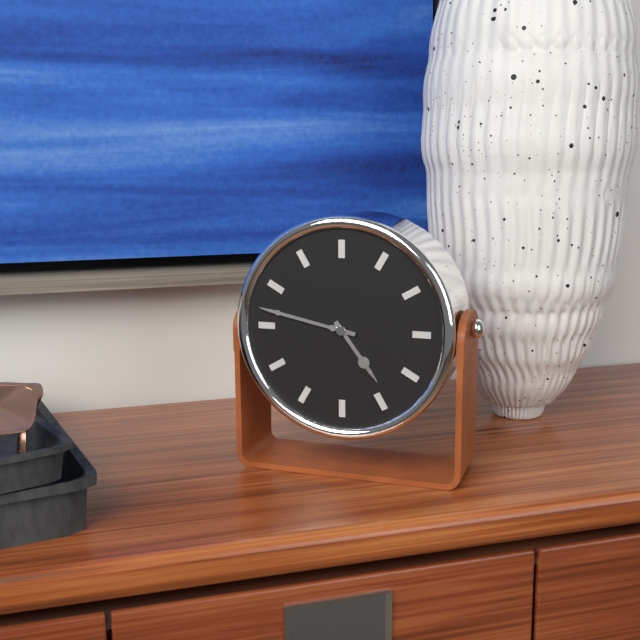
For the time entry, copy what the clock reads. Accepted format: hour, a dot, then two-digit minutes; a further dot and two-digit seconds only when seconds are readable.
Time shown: 4.47
